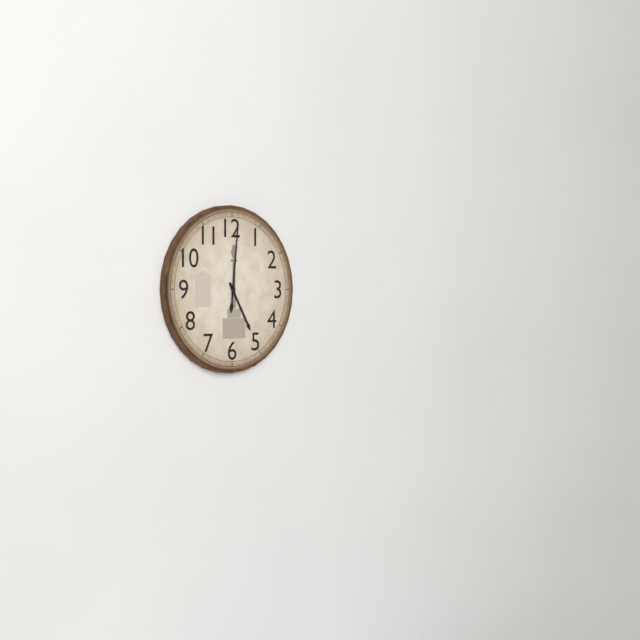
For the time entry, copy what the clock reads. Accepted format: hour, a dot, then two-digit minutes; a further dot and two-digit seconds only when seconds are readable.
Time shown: 5.01
